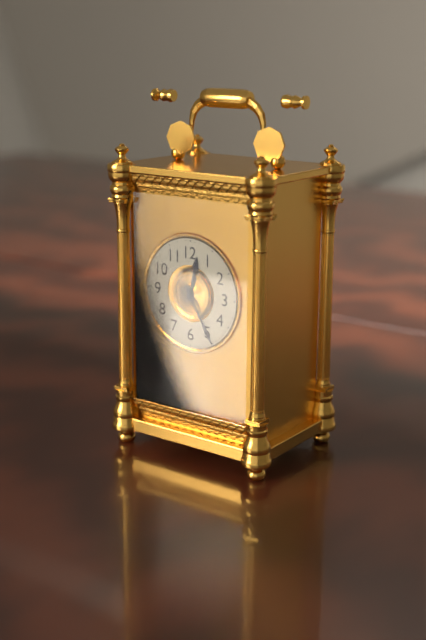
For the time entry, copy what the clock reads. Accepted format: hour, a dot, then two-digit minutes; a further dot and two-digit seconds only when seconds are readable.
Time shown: 12.25
